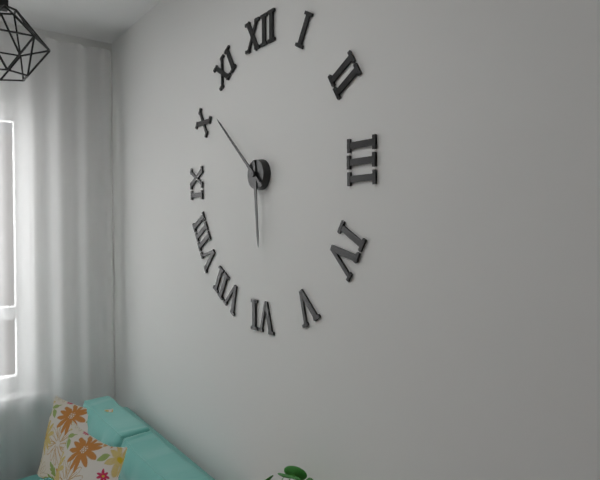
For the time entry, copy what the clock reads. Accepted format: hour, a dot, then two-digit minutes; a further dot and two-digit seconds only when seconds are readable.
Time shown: 5.52
